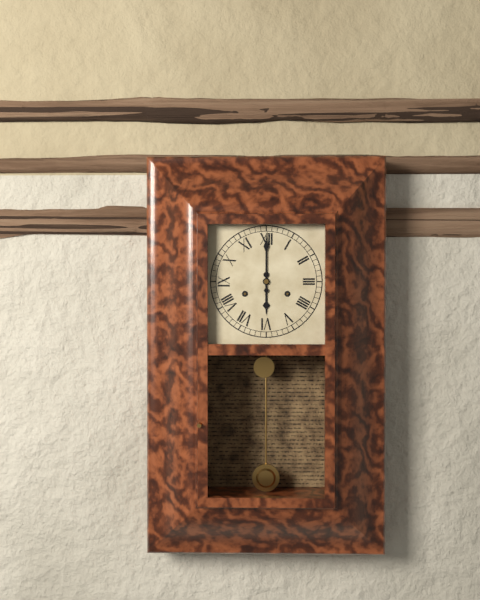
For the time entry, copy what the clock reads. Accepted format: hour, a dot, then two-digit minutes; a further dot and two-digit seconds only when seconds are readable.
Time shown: 6.00
